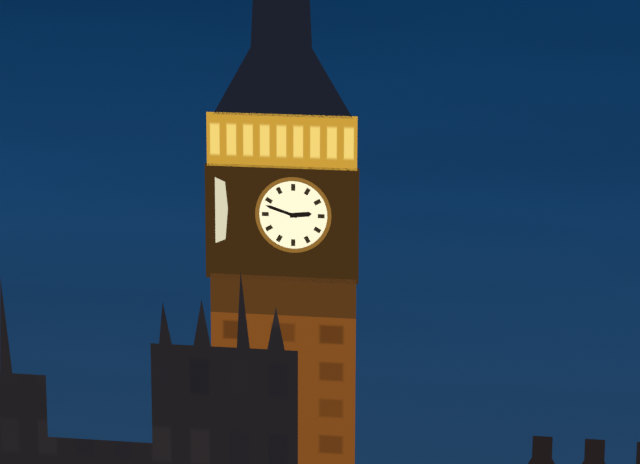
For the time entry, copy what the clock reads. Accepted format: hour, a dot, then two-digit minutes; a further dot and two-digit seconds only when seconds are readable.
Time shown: 2.48
